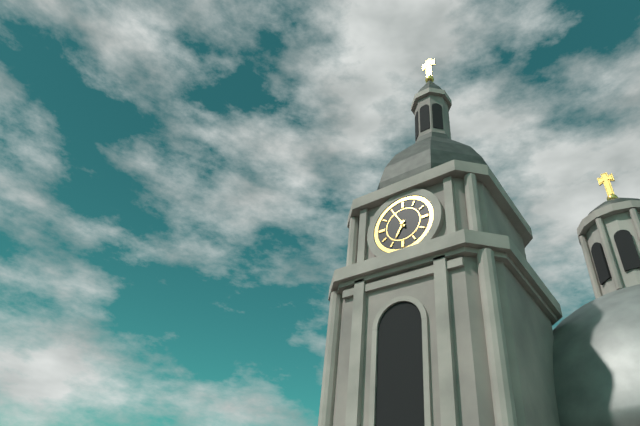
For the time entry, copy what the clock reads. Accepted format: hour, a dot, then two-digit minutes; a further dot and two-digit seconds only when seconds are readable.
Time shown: 6.55
